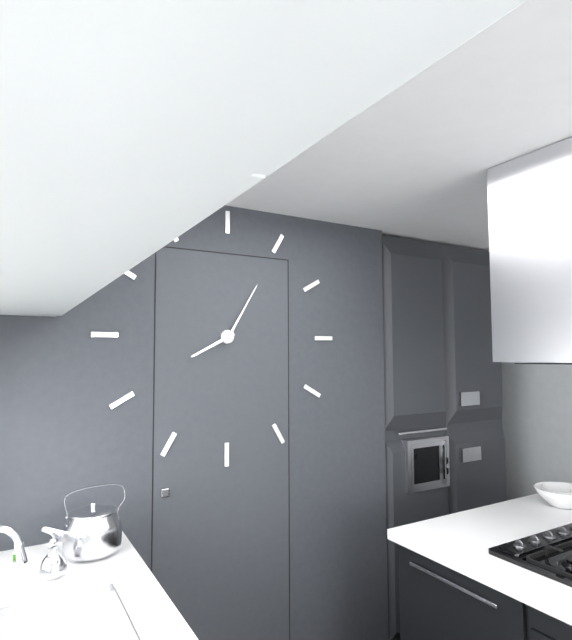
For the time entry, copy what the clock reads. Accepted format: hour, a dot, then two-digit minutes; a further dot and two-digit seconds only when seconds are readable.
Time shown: 8.05
